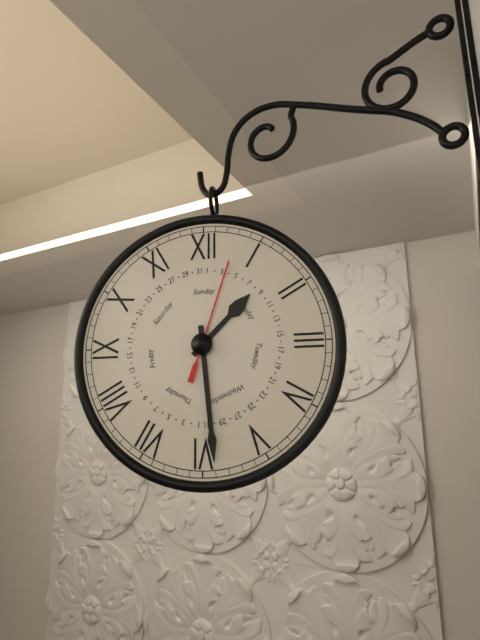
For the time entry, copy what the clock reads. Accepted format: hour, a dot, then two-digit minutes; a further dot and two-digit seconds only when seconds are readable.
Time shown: 1.29.03
